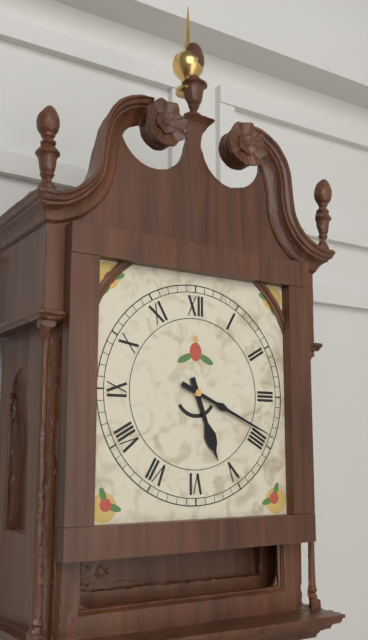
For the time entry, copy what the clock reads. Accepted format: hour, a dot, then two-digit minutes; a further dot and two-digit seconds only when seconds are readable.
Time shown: 5.19
